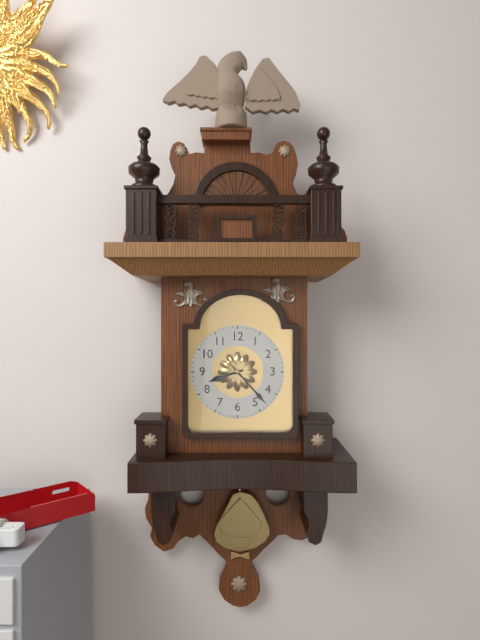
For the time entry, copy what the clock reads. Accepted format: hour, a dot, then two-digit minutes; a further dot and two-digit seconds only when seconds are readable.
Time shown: 8.23
